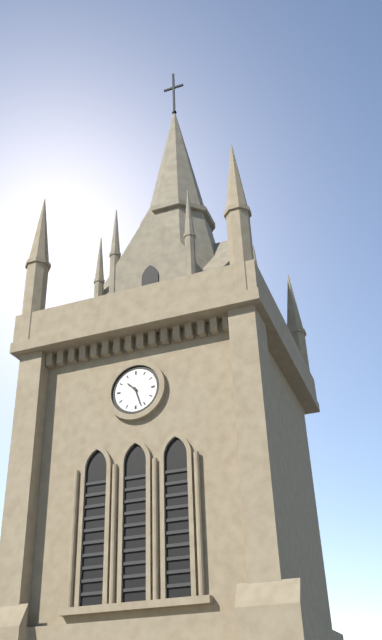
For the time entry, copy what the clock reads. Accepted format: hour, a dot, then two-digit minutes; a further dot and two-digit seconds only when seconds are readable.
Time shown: 10.27
